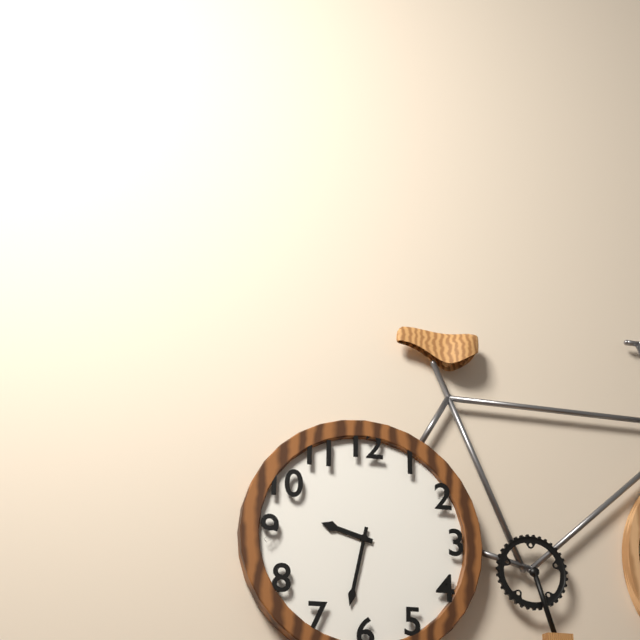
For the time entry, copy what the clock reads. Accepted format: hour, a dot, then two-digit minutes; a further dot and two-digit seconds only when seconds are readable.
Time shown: 9.32
